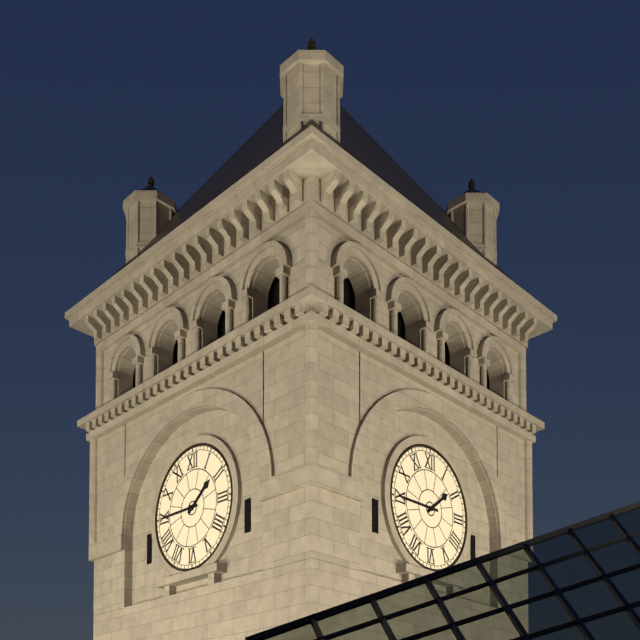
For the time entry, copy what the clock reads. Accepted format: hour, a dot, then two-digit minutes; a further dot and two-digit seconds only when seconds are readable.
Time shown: 1.45
